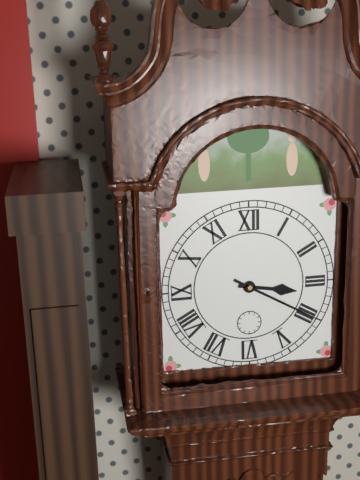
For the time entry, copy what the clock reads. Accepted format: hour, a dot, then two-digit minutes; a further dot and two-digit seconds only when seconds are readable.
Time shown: 3.20
